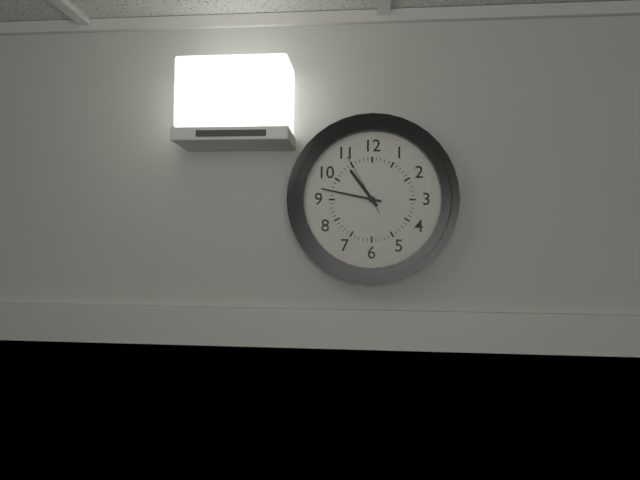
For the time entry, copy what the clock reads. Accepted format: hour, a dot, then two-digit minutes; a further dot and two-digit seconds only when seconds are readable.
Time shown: 10.47.55
